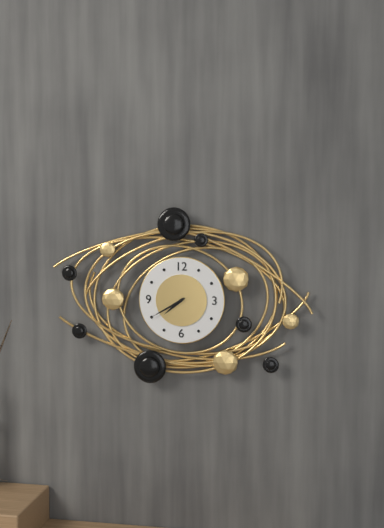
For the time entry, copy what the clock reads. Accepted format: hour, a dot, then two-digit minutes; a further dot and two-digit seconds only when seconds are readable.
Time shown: 7.40
